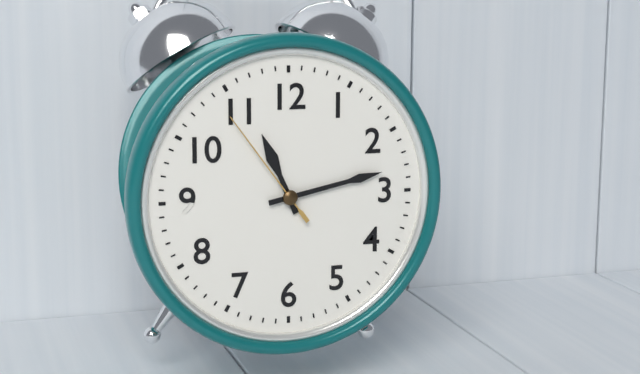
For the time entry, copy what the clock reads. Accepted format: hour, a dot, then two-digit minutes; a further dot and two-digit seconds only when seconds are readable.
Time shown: 11.13.54
